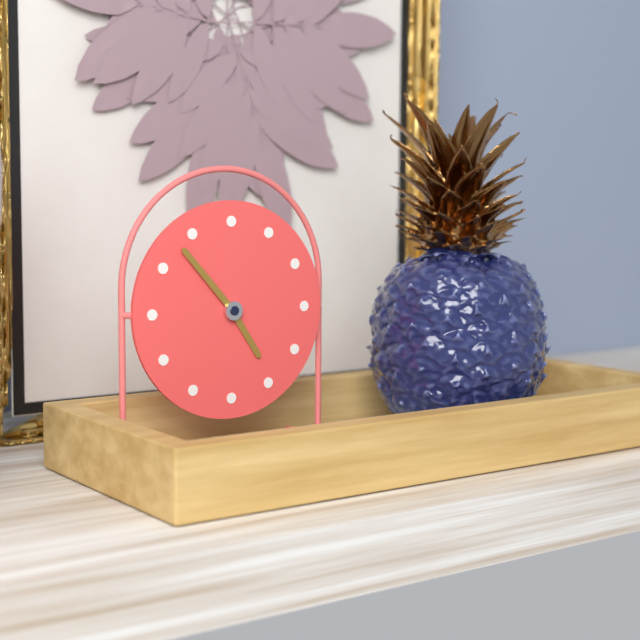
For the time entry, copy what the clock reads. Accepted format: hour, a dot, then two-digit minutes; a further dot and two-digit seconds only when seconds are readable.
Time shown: 4.53
